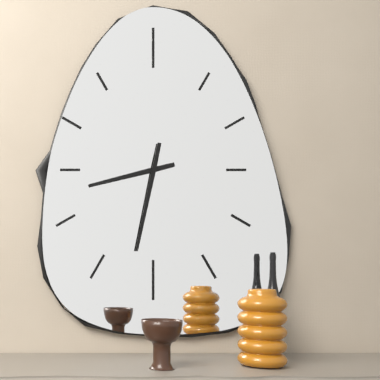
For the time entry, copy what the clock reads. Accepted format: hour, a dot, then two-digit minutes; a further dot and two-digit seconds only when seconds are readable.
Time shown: 8.32
